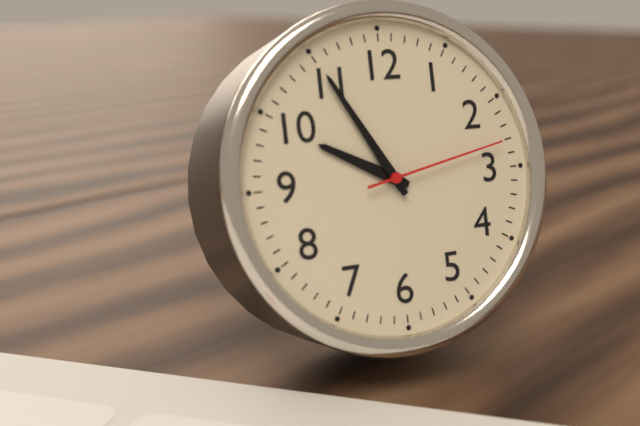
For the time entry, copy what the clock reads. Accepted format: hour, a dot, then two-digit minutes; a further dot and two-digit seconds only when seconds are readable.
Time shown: 9.55.13
